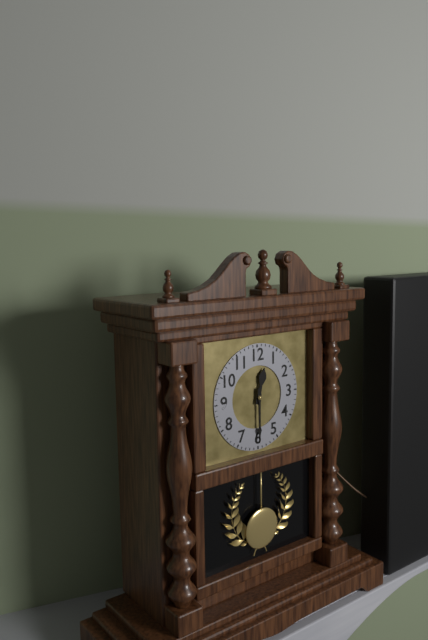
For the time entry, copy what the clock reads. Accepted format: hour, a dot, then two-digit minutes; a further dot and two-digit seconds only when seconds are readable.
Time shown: 12.30
